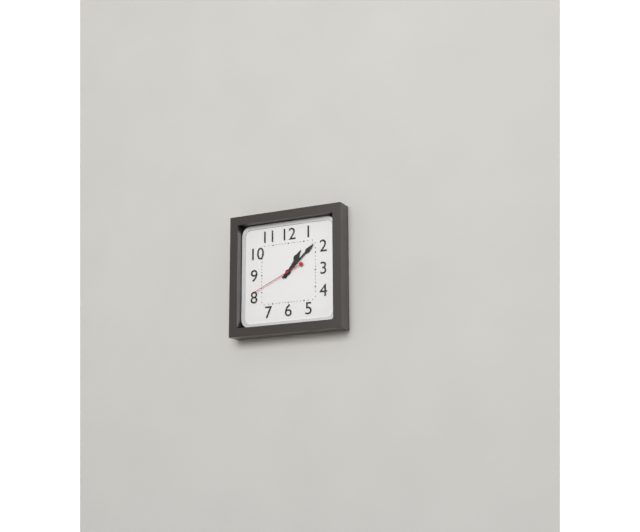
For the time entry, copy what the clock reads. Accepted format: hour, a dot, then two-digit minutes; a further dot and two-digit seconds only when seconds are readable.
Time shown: 1.08.41
